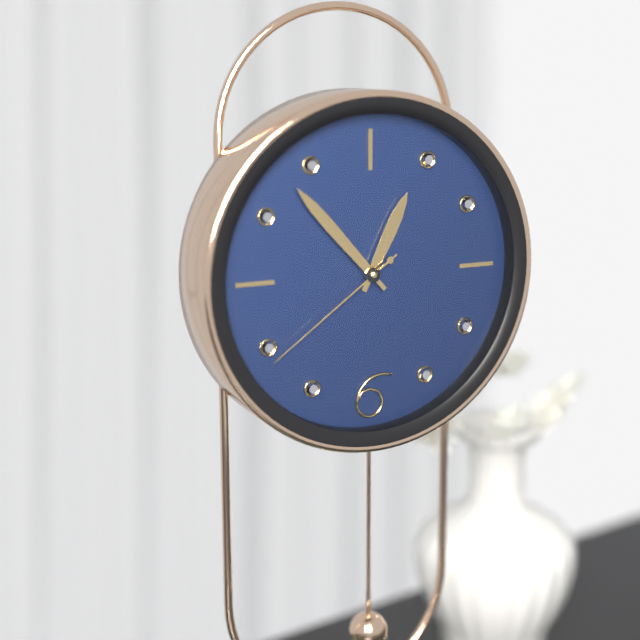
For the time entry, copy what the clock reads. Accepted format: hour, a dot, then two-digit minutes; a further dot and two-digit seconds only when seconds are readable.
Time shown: 12.53.39
